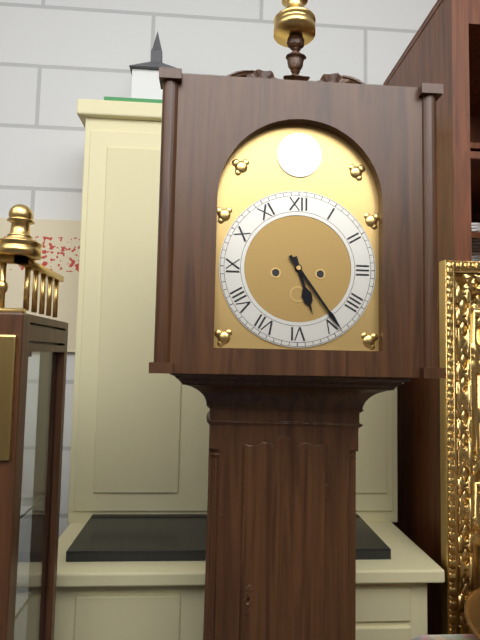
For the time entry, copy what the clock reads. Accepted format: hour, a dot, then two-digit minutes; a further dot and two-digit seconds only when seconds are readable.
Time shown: 5.24
